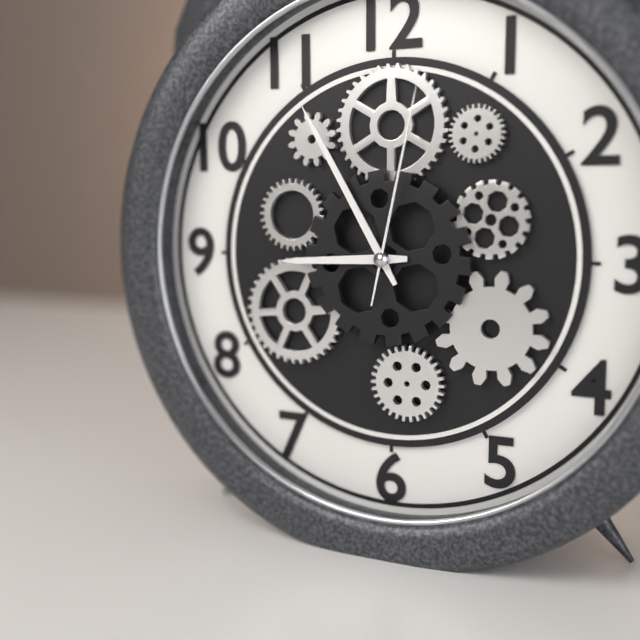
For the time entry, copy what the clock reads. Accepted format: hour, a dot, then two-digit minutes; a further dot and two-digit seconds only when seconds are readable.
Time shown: 8.55.02
